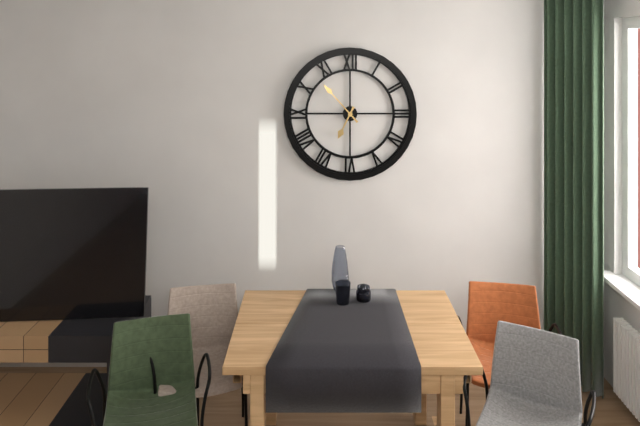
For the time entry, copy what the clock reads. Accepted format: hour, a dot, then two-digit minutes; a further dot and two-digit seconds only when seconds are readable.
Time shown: 6.53
